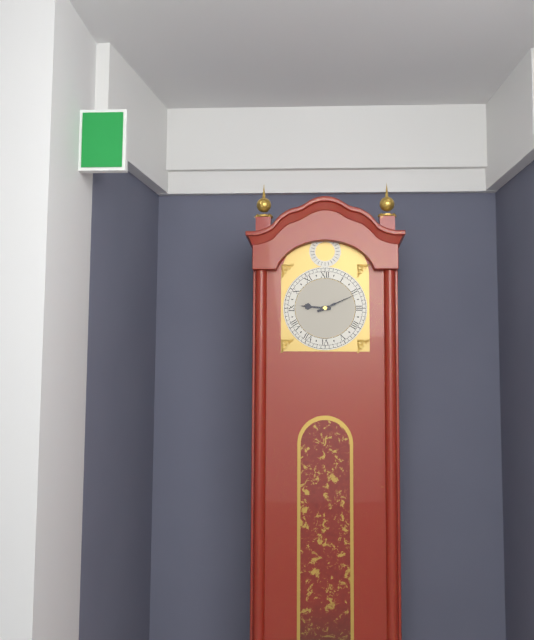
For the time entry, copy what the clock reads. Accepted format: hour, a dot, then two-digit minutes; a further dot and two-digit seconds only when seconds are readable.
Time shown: 9.11
